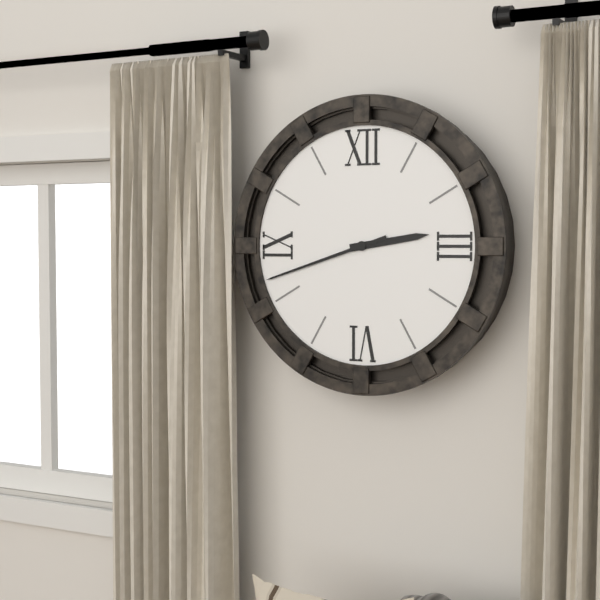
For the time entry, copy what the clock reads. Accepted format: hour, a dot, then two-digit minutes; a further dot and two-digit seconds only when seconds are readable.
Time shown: 2.42
